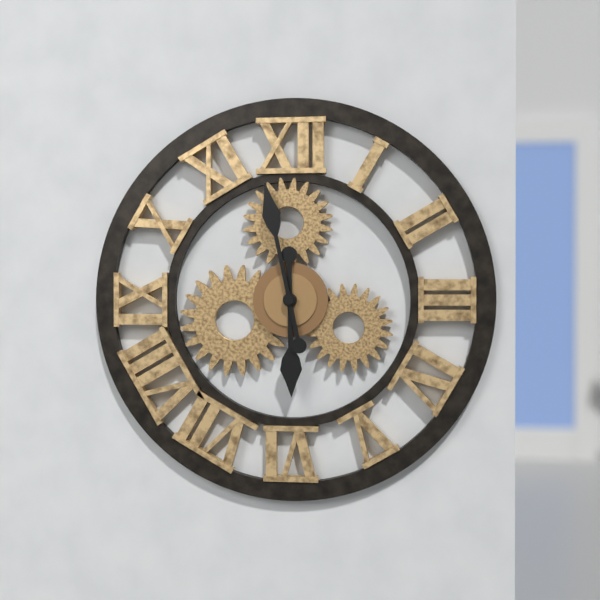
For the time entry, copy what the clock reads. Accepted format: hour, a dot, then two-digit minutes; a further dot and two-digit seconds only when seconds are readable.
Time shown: 5.58
